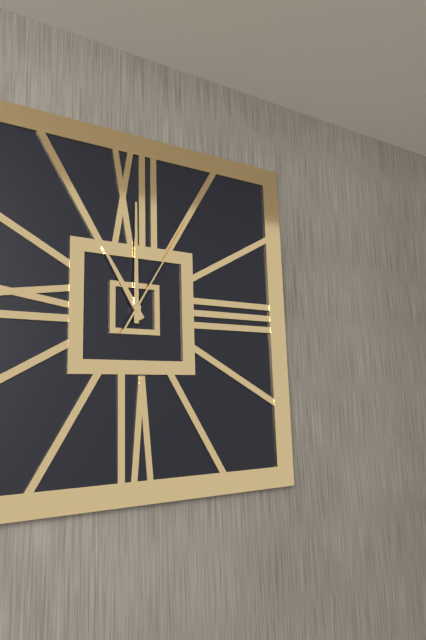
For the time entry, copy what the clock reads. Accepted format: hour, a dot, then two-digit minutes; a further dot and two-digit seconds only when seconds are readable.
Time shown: 11.00.05
